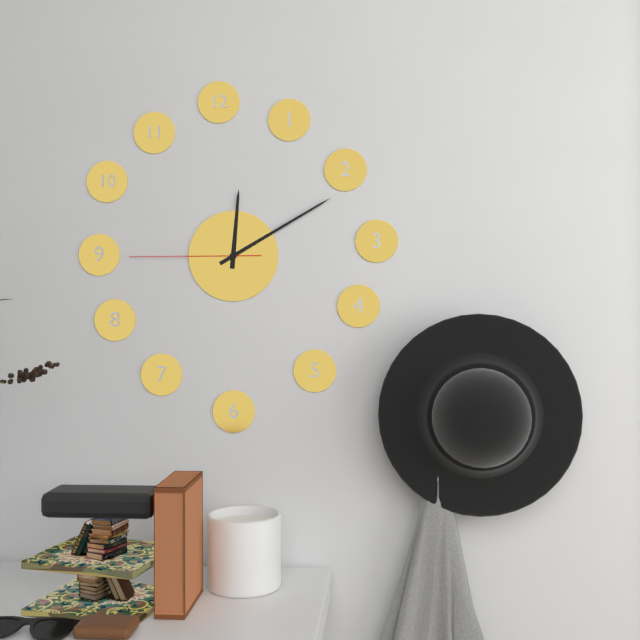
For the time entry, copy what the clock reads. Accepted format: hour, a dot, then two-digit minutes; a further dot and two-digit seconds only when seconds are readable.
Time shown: 12.10.45
